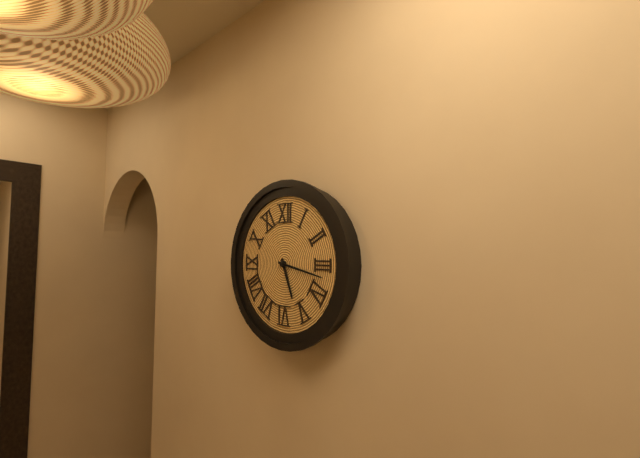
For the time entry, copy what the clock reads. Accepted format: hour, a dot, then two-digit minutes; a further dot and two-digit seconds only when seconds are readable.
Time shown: 5.17
